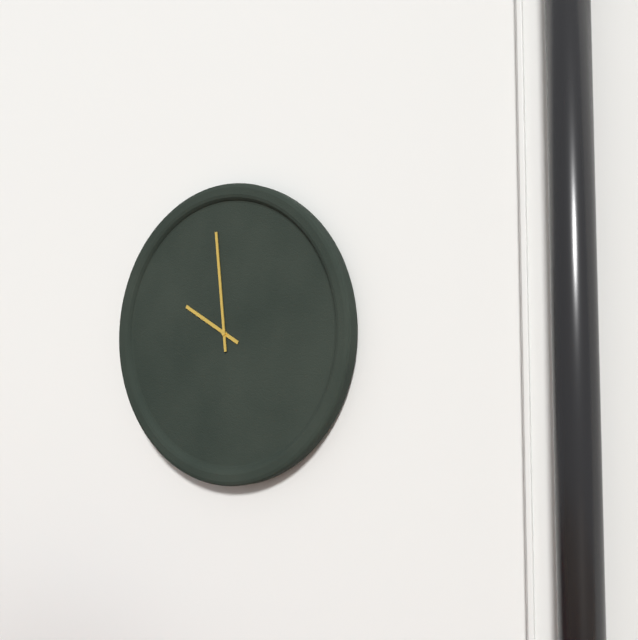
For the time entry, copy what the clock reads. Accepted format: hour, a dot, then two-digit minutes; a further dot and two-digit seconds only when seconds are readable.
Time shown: 9.59
